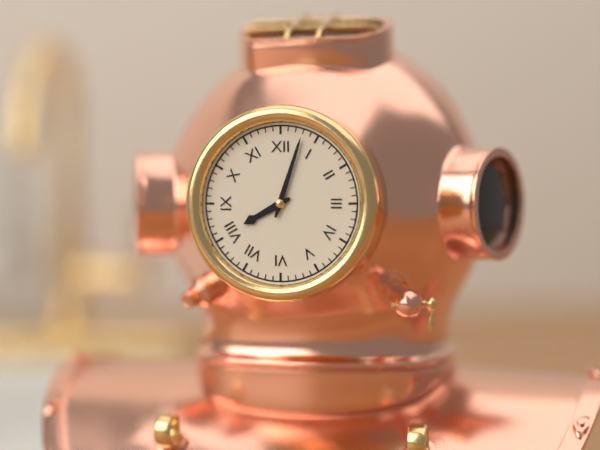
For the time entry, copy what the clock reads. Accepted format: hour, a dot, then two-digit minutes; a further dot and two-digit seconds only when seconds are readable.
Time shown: 8.03
